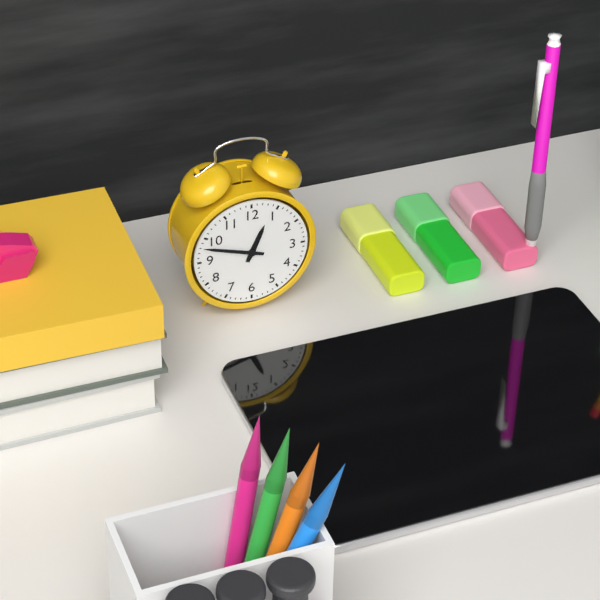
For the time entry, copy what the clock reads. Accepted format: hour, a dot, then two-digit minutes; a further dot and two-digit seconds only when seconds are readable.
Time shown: 12.48
